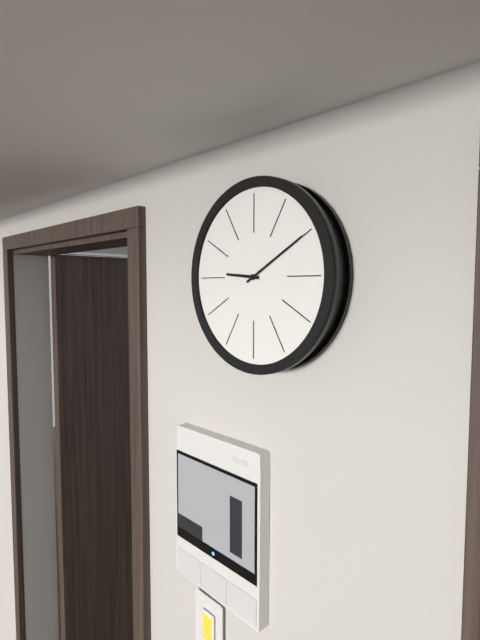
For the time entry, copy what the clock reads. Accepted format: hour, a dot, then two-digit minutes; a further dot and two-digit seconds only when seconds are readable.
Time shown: 9.10
